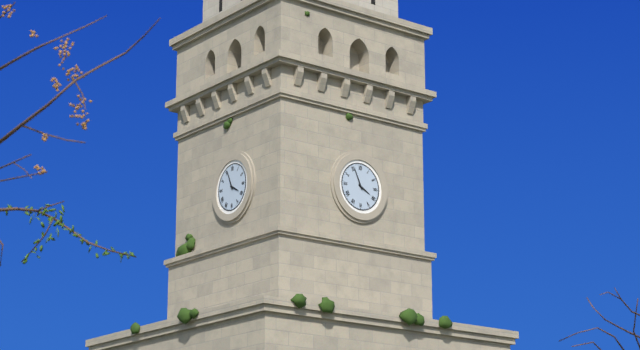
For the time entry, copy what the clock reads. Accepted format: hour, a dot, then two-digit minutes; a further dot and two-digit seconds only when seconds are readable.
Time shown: 3.56
